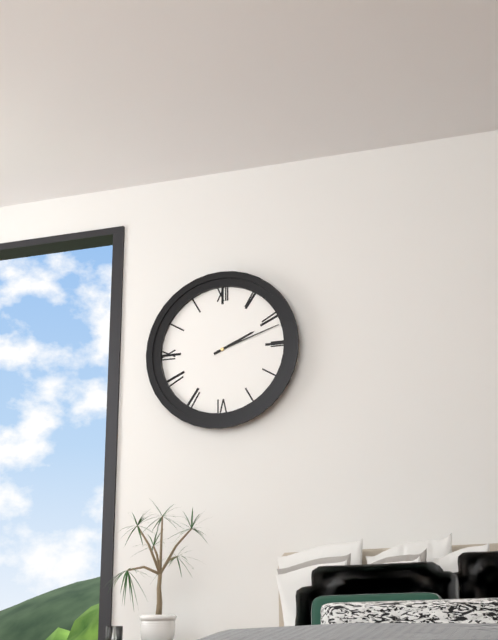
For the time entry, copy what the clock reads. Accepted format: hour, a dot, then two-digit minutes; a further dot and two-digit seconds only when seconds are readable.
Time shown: 2.12
